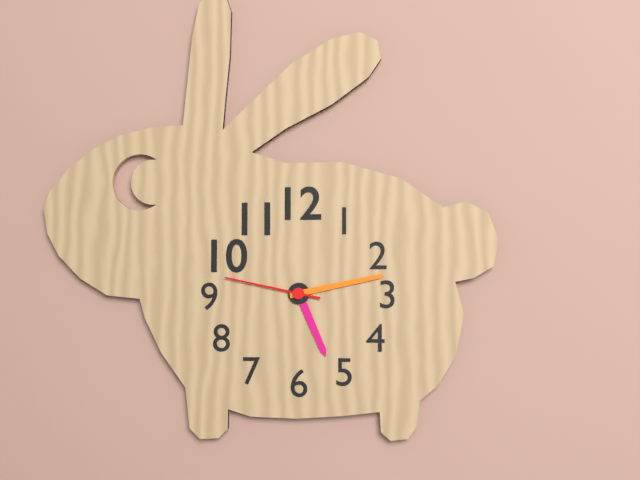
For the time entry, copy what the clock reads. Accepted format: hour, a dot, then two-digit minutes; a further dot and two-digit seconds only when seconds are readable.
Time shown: 5.13.47
